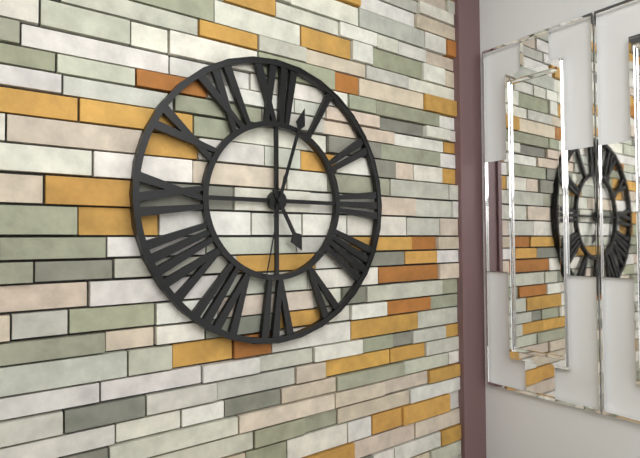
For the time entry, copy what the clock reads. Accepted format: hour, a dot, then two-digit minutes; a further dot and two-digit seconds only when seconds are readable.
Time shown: 5.03.32
